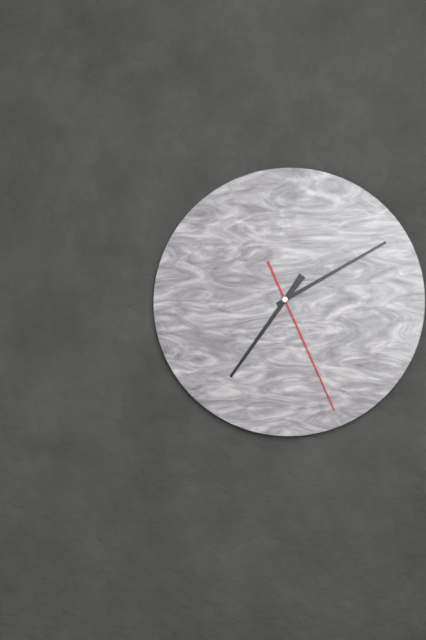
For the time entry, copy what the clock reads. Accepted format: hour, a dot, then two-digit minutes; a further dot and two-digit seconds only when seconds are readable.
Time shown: 7.10.26
